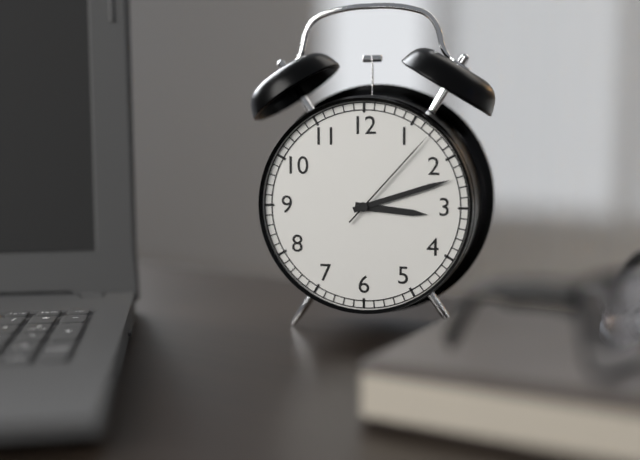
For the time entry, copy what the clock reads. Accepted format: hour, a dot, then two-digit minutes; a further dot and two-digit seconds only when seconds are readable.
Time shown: 3.12.07
